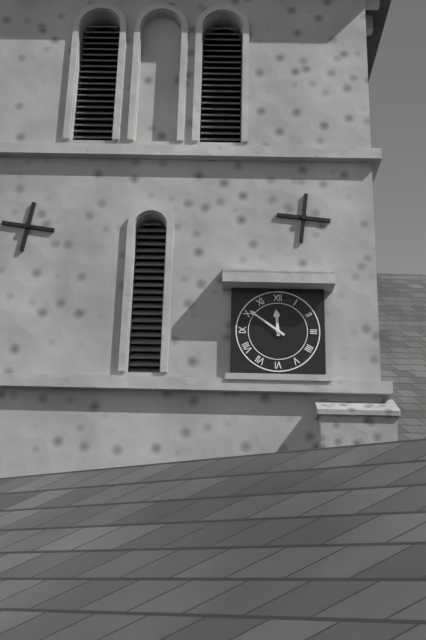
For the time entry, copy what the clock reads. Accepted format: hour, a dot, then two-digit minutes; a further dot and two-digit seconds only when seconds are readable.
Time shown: 11.51
